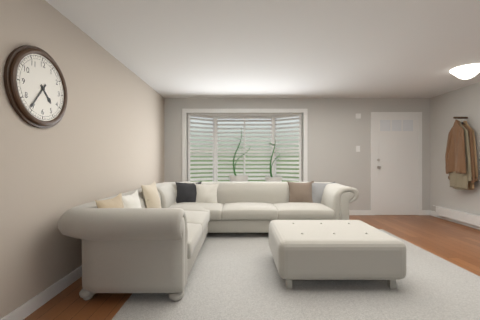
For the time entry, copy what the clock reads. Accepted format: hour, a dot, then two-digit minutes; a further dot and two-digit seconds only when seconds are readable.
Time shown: 4.36
